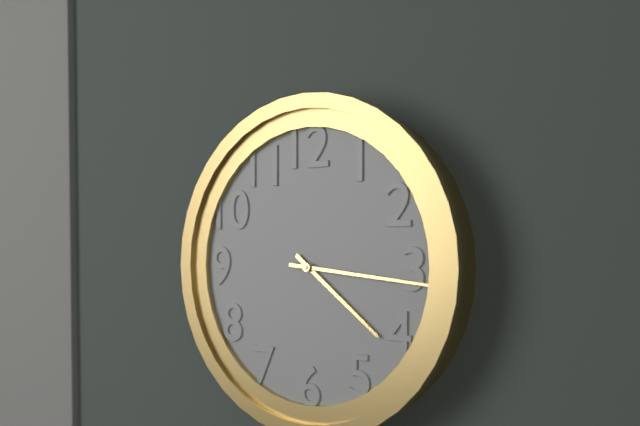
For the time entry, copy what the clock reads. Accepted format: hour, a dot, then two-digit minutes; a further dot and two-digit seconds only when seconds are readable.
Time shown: 4.16
